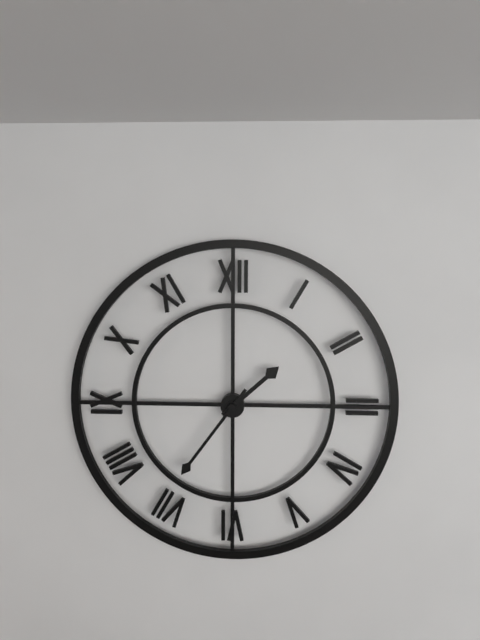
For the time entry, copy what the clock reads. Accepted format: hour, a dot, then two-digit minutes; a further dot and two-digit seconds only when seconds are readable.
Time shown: 1.36
